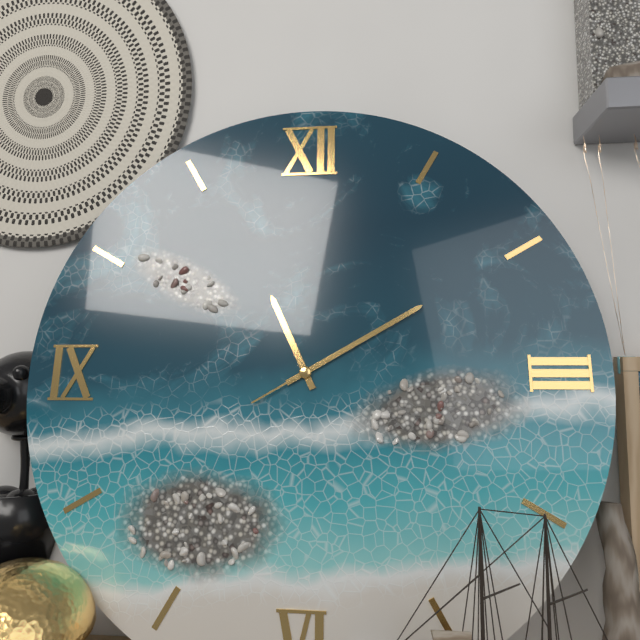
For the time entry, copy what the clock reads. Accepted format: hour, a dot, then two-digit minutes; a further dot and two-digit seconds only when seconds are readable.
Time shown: 11.10.40
